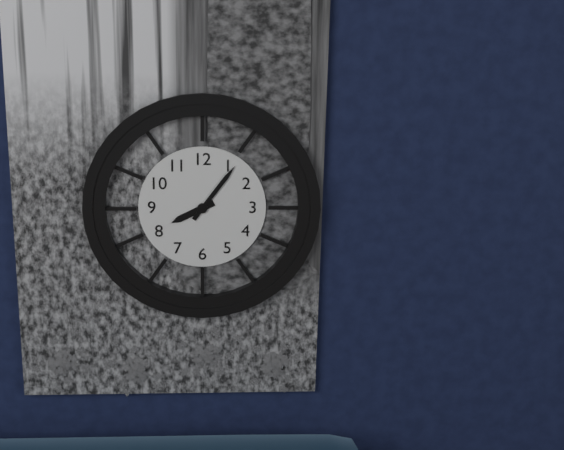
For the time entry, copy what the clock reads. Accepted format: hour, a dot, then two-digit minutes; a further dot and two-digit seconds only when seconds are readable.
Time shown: 8.06
